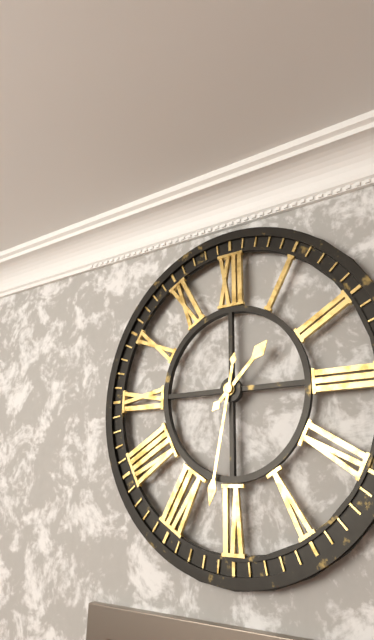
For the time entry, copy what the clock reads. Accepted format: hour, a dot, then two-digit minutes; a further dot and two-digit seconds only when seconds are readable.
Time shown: 1.32
